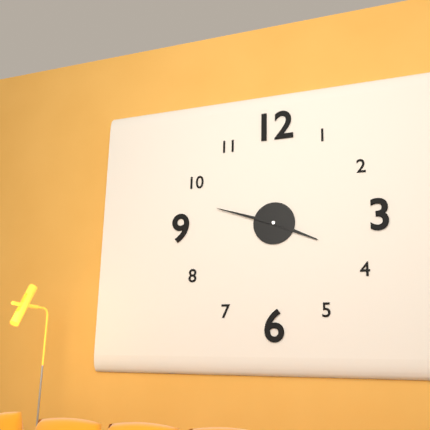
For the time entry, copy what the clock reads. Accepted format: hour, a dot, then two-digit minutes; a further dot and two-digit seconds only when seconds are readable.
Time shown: 3.48
